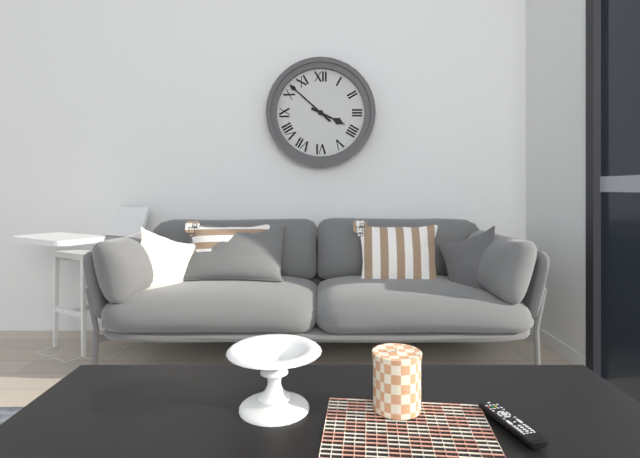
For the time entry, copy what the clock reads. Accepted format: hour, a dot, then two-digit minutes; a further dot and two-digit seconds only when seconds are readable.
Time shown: 3.52
